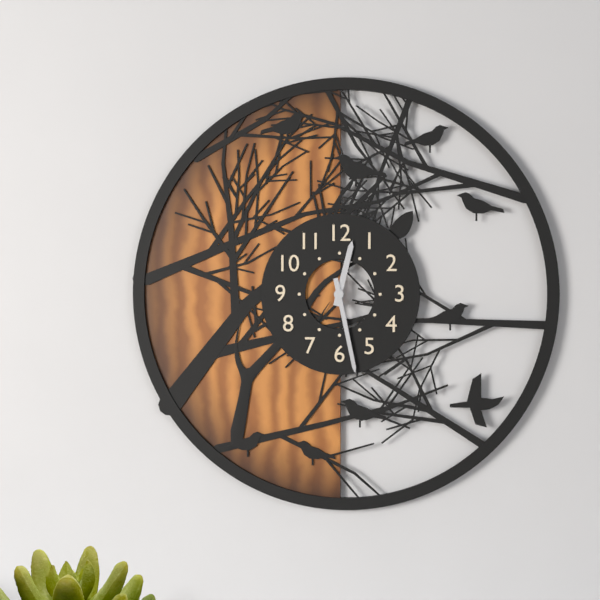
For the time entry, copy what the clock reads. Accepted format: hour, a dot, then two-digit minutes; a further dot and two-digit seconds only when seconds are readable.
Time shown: 12.28
